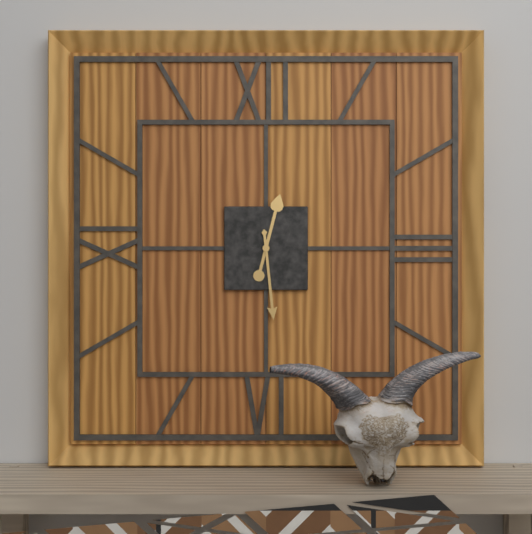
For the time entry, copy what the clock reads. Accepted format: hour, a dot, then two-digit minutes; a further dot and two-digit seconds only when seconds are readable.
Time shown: 12.29
